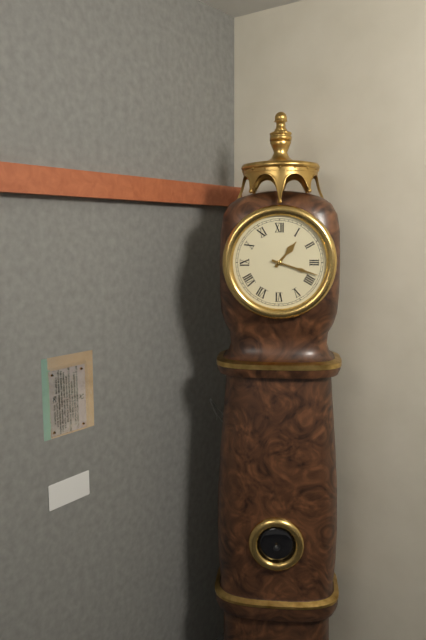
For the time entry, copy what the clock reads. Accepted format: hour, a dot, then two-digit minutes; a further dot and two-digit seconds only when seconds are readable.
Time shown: 1.18
